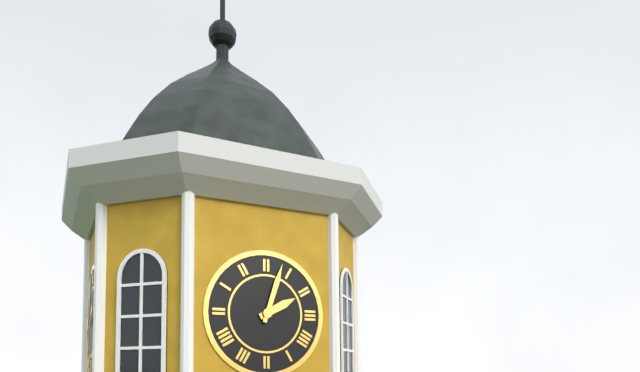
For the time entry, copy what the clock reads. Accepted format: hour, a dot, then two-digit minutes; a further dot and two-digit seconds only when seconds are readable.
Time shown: 2.03
